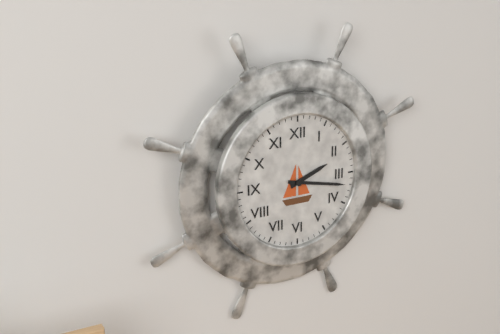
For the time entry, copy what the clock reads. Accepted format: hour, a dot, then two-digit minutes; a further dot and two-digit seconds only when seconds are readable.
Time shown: 2.17
